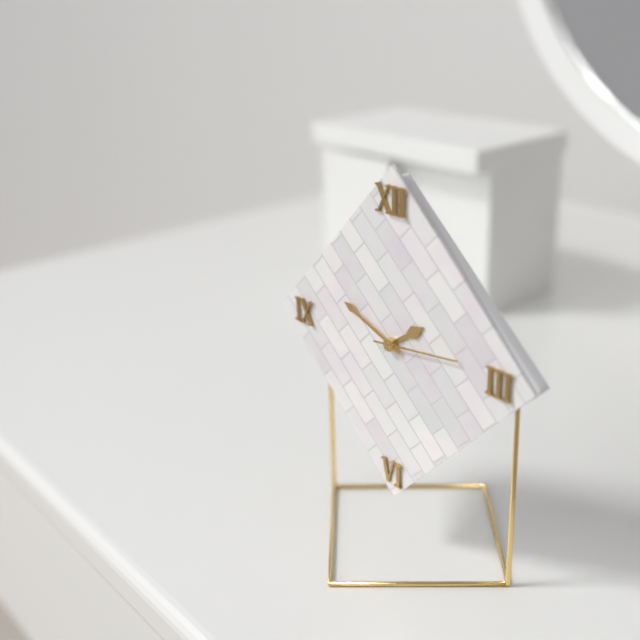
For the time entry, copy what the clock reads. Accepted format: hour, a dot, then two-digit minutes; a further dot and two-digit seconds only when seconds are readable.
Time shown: 1.49.14
